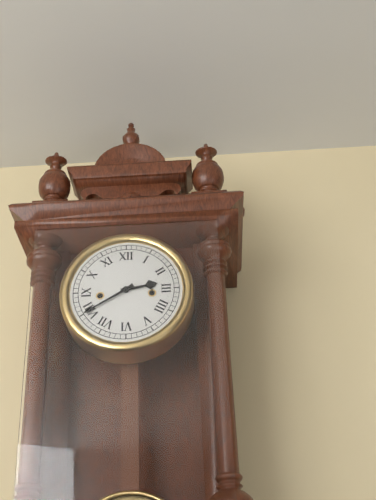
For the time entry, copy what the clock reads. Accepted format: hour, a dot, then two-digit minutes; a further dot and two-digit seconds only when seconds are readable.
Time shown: 2.40
